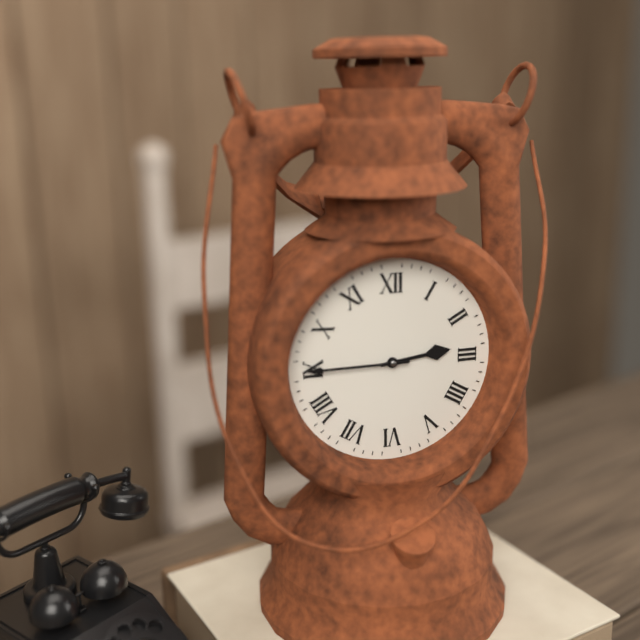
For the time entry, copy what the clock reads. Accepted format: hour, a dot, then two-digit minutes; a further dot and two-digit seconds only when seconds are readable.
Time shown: 2.45
